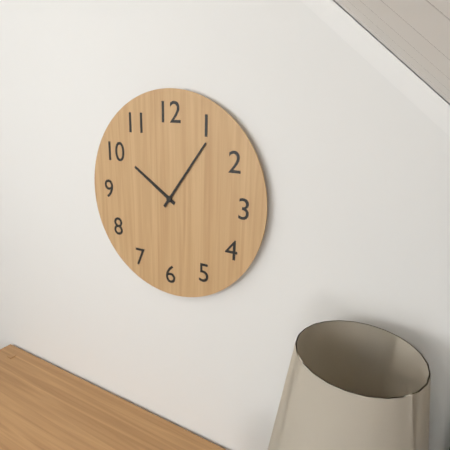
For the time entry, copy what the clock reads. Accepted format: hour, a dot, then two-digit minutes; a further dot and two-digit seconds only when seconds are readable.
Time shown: 10.06
